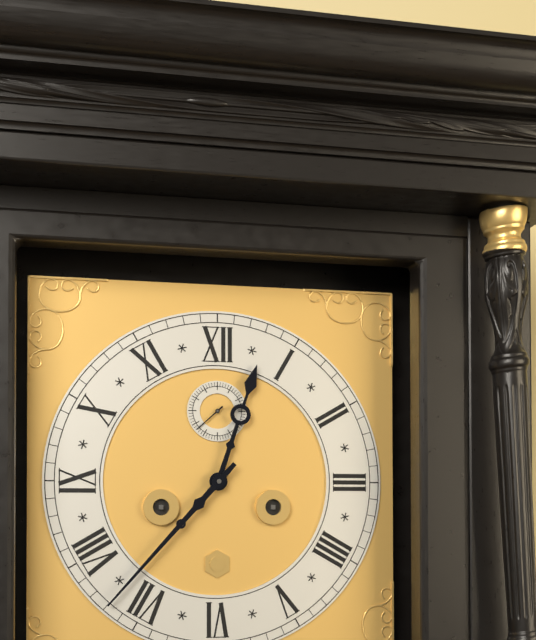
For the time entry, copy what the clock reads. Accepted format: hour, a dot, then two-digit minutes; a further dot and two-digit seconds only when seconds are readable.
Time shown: 12.37
